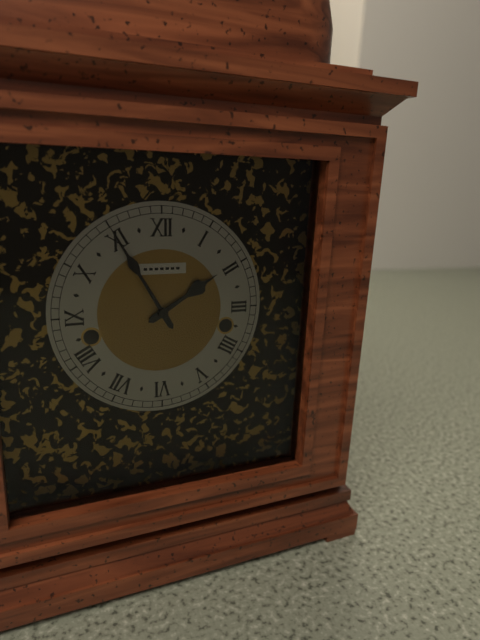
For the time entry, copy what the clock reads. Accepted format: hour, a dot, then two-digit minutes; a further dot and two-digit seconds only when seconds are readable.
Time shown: 1.55
